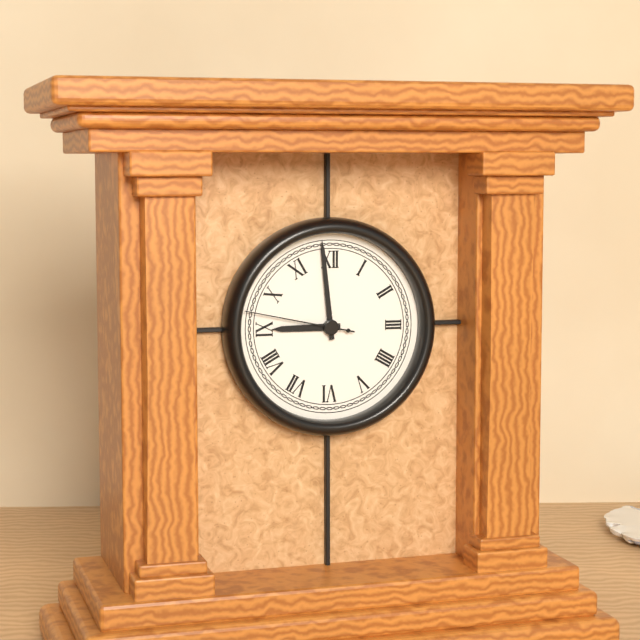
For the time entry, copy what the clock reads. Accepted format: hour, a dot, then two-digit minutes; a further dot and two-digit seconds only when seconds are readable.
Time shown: 8.59.47
